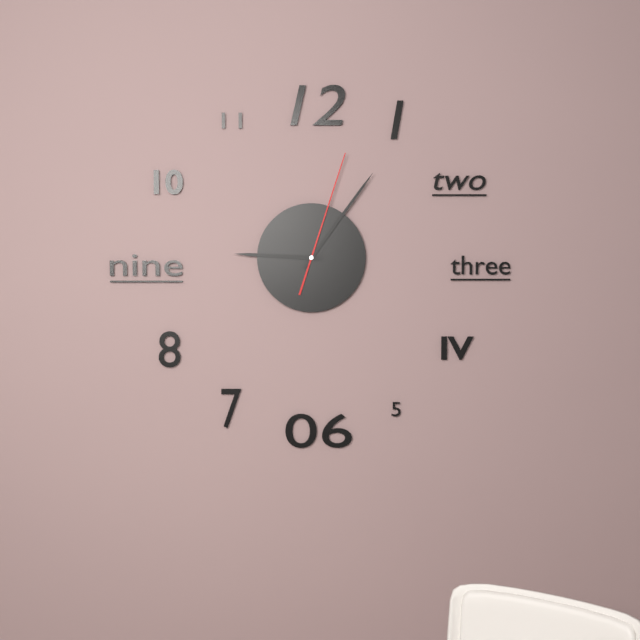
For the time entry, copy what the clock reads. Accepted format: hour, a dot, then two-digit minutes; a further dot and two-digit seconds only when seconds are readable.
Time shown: 9.06.03
